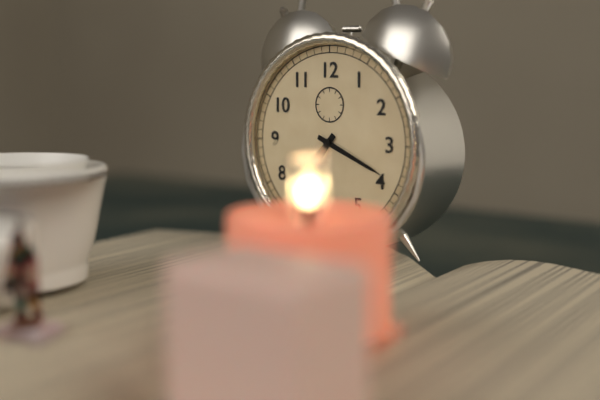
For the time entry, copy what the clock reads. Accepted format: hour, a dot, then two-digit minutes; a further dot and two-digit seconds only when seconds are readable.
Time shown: 7.19
